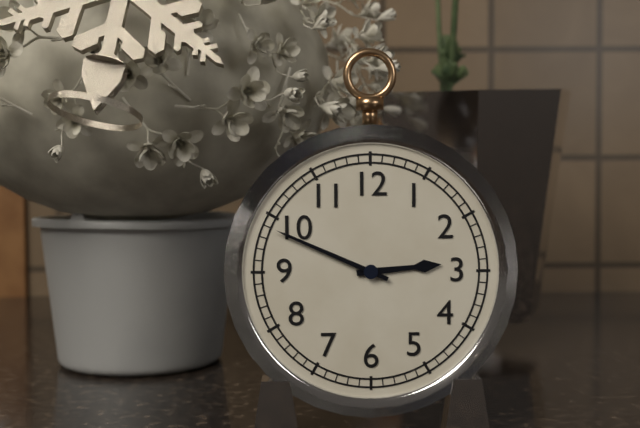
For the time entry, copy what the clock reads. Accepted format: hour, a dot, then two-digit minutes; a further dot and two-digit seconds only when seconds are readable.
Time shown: 2.49
